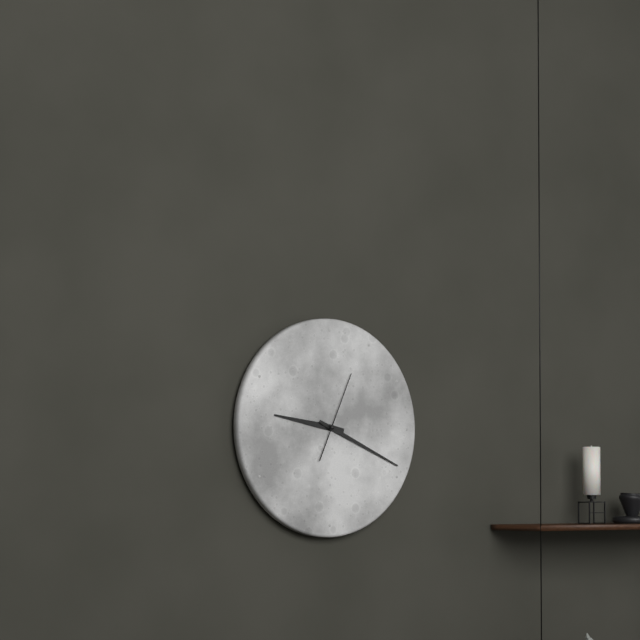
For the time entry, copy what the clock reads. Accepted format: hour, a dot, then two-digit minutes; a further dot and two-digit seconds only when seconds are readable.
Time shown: 9.19.04
